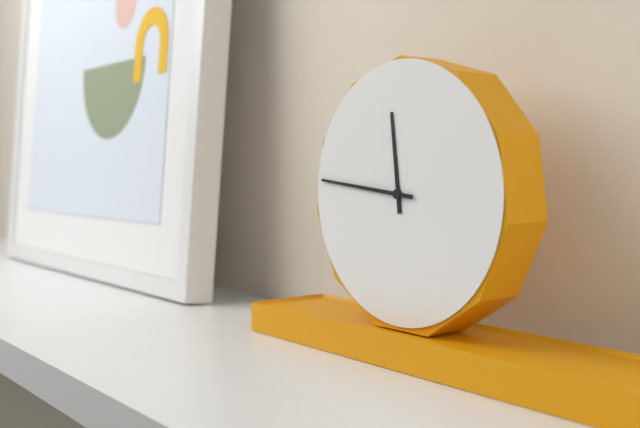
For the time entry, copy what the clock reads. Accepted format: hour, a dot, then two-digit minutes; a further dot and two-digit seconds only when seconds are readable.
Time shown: 11.46
